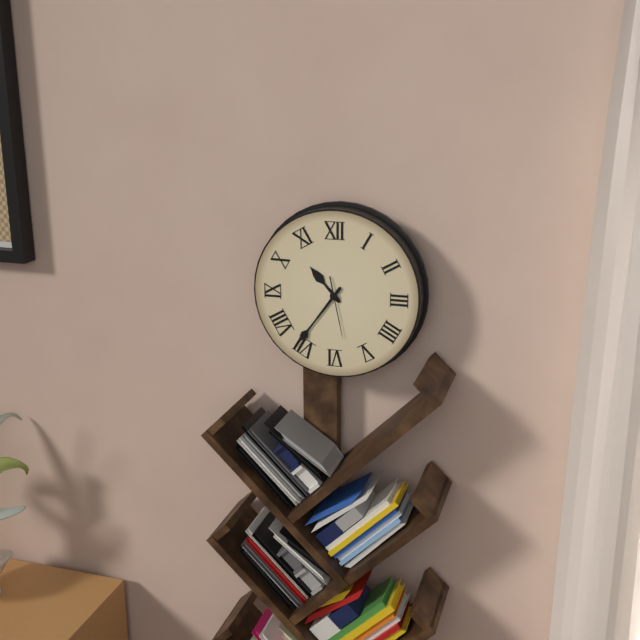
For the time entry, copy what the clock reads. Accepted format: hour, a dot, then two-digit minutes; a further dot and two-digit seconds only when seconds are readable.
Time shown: 10.36.28
